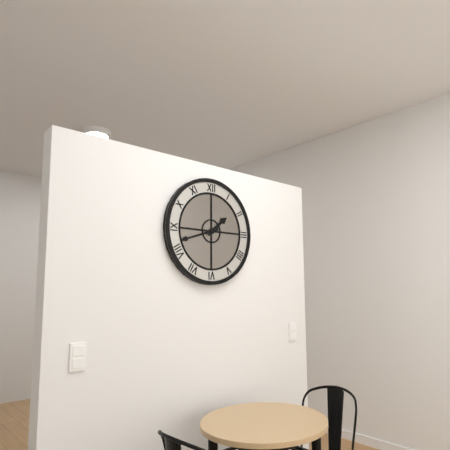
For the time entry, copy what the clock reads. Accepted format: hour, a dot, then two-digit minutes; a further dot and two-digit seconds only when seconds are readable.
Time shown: 1.42
